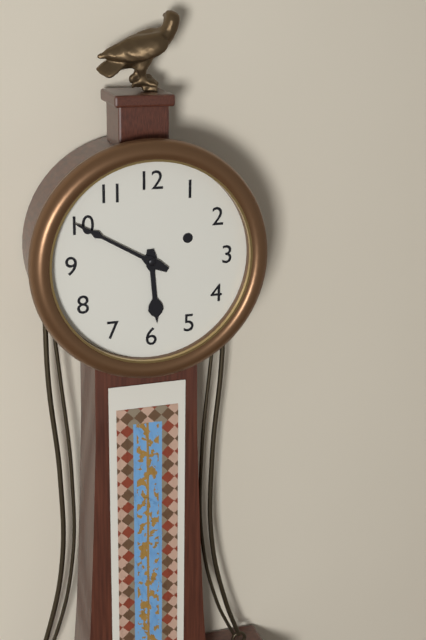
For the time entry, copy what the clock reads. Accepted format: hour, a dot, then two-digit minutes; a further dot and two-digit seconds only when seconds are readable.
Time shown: 5.50
